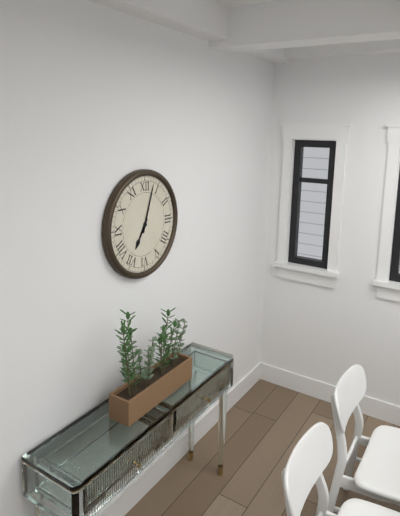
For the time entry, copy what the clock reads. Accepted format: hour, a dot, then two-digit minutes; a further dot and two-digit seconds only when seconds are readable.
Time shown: 7.03
